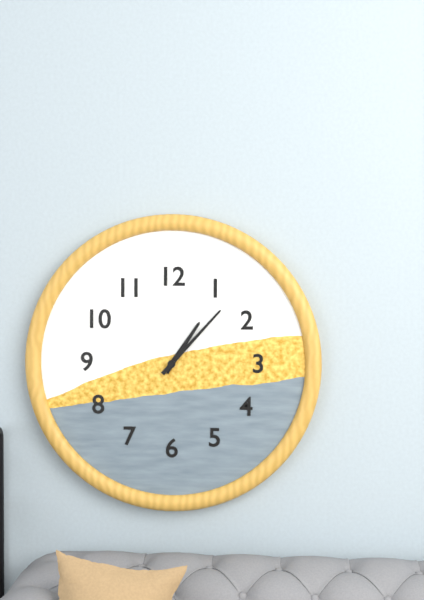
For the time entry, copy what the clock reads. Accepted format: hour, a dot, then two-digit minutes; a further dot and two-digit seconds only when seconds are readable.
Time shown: 1.07
